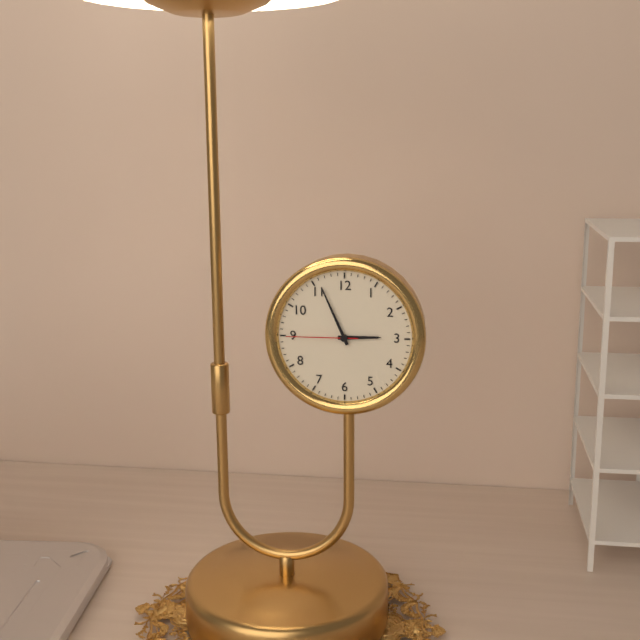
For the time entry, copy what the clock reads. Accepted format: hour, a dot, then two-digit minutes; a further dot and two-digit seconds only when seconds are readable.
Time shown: 2.56.45
